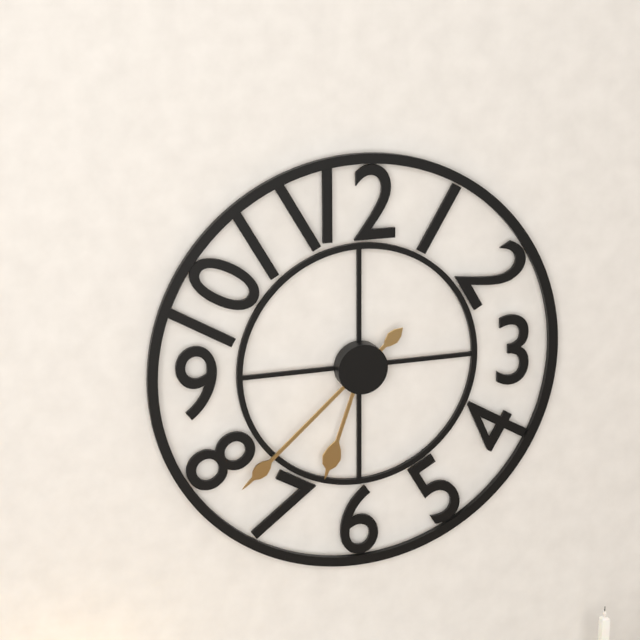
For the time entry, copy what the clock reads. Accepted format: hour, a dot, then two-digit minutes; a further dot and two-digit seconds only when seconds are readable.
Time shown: 6.38
